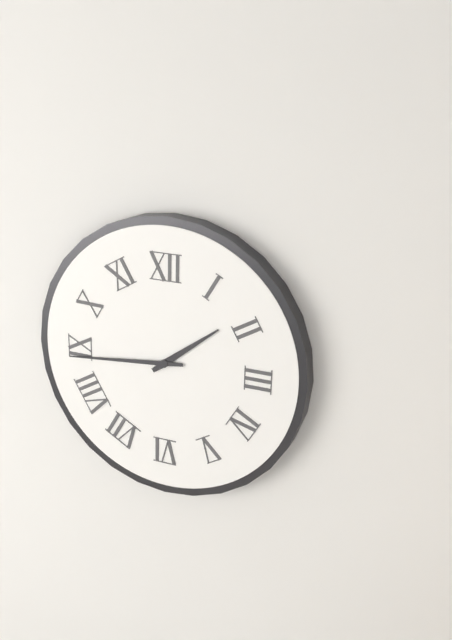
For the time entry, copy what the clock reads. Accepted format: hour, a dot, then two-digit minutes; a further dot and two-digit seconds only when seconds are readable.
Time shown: 1.44
